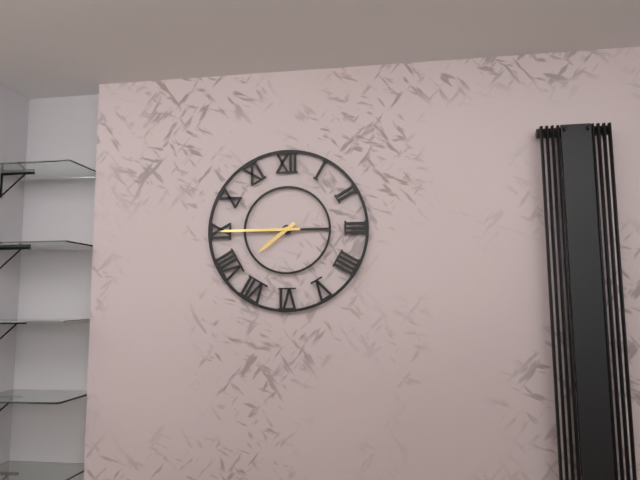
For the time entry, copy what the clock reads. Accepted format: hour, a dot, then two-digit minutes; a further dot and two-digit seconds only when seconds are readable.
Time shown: 7.45
